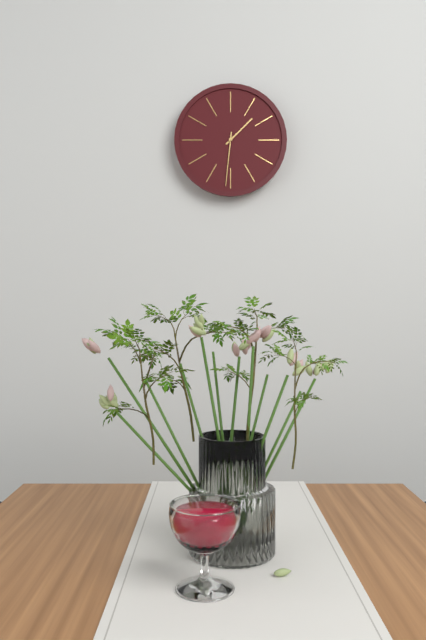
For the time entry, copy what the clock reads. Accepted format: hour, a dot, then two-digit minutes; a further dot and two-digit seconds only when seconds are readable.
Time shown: 1.31
